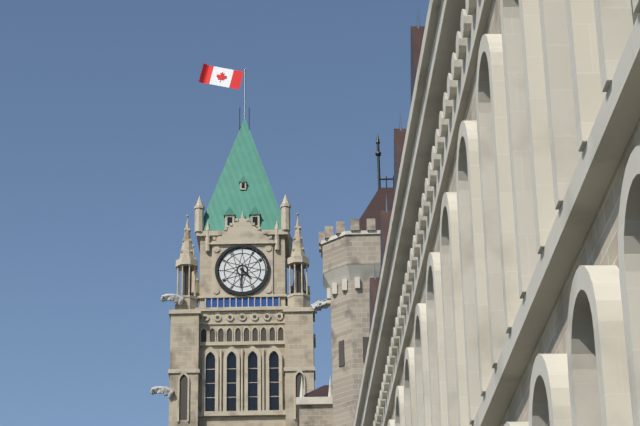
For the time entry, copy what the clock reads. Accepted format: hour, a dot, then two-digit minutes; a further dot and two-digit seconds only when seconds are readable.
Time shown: 4.31
